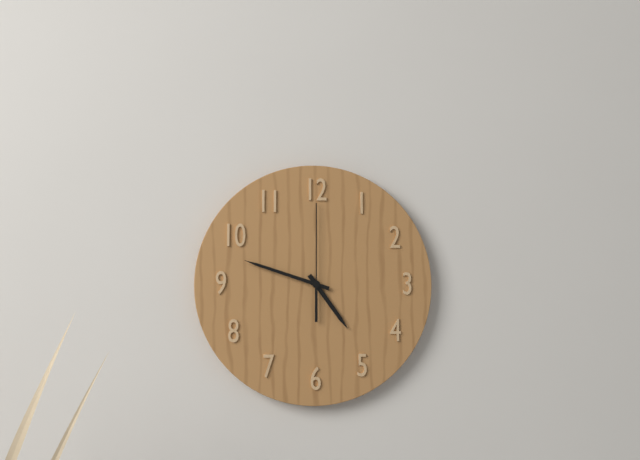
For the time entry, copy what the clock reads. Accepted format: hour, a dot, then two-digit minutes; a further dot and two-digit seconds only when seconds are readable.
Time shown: 4.48.00
